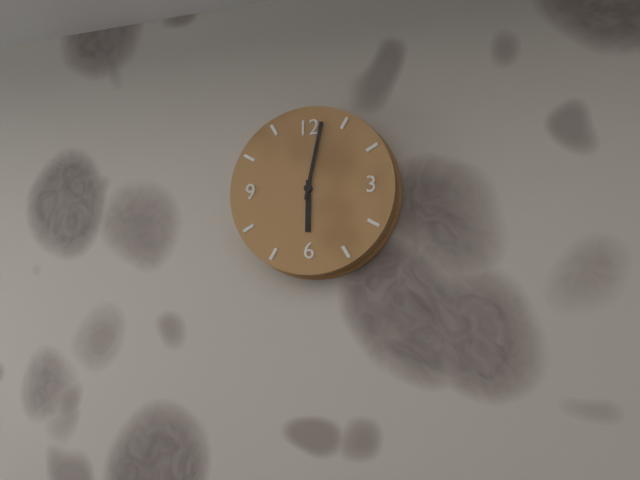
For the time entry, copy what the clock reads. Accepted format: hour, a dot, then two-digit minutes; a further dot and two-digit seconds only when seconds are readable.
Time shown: 6.02
